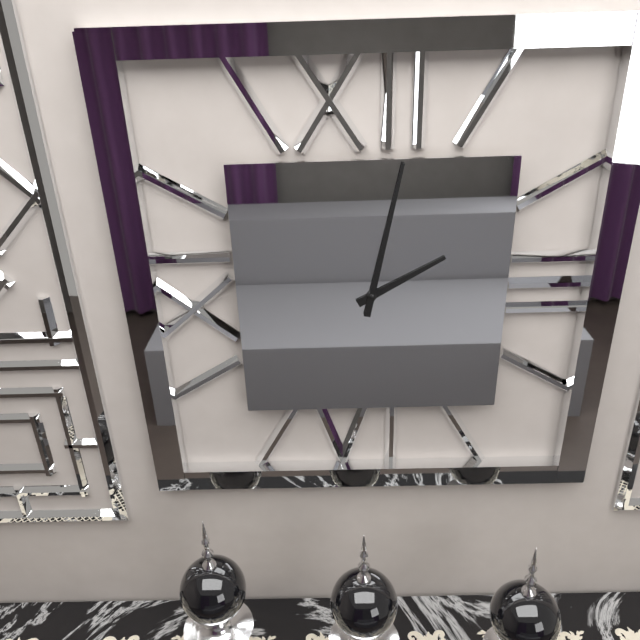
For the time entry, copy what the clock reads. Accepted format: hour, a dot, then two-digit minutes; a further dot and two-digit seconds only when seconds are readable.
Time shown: 2.02
